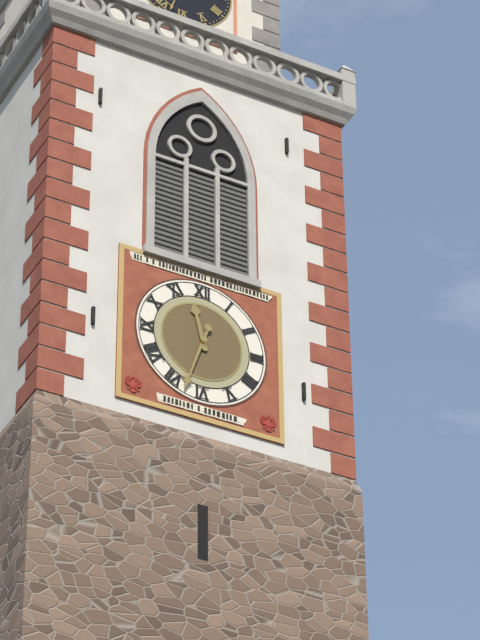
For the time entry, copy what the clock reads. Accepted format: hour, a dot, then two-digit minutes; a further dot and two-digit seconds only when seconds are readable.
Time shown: 11.33
